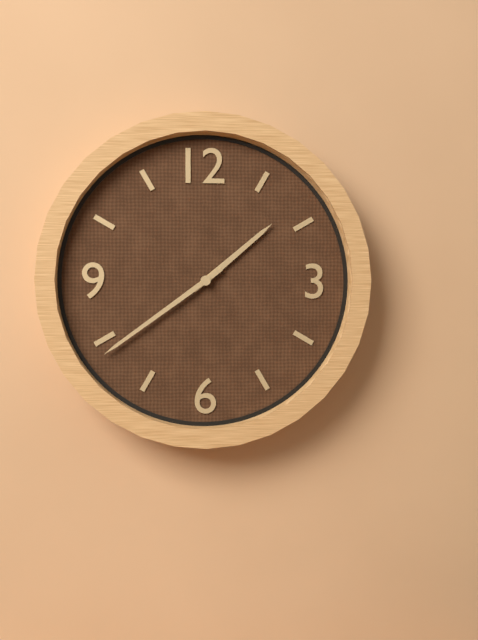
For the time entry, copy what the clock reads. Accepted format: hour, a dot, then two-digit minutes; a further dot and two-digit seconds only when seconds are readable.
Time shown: 1.39
